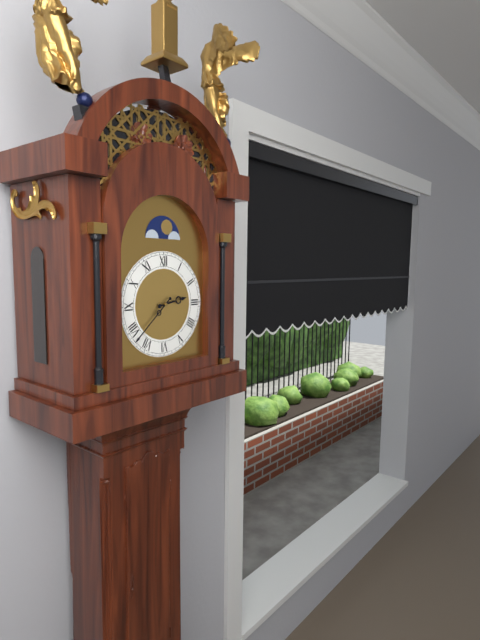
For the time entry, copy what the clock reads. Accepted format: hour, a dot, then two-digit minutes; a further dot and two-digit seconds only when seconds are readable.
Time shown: 2.38
